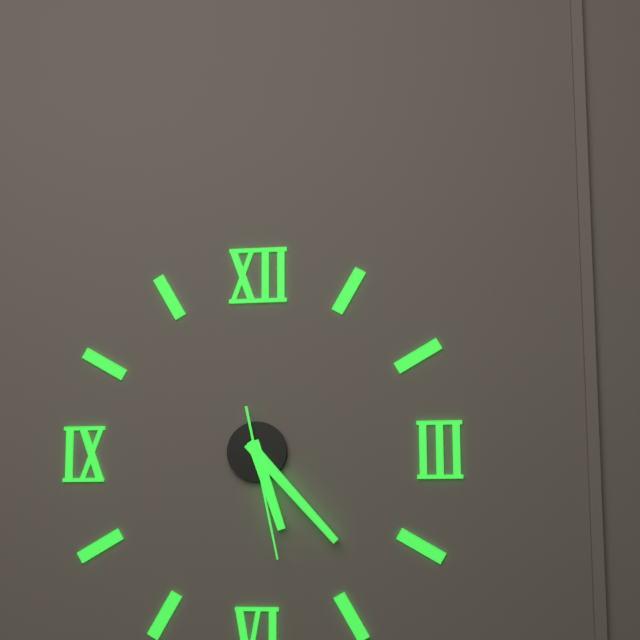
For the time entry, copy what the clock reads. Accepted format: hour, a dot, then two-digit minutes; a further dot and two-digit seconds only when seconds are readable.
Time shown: 5.23.28
